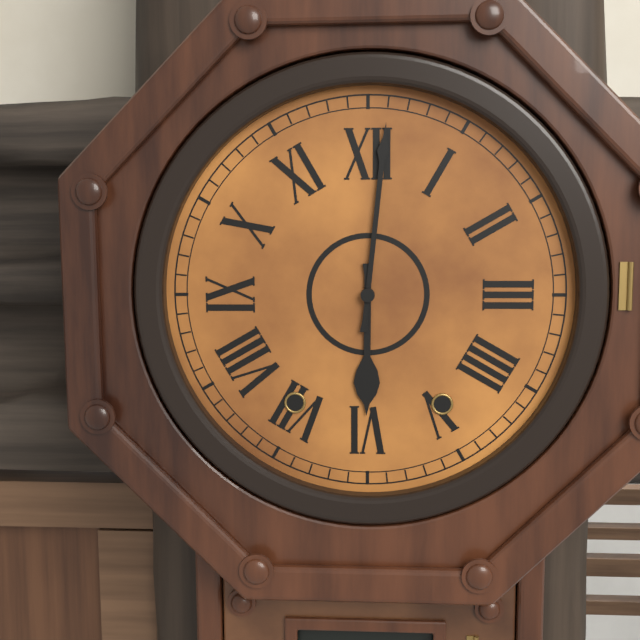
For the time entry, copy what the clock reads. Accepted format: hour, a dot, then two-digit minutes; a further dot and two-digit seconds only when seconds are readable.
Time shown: 6.01
